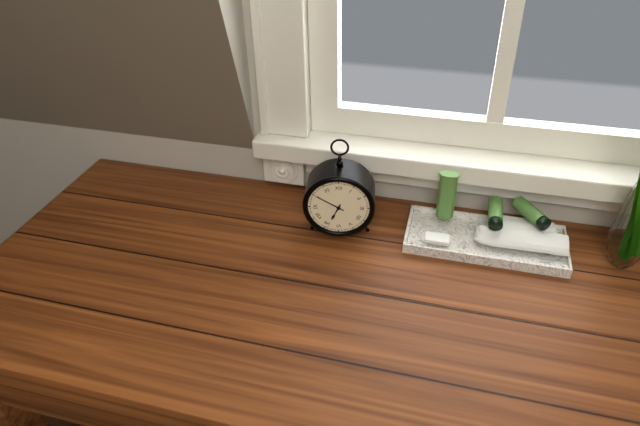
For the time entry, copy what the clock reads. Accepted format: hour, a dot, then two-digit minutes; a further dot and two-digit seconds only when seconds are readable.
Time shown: 6.50
